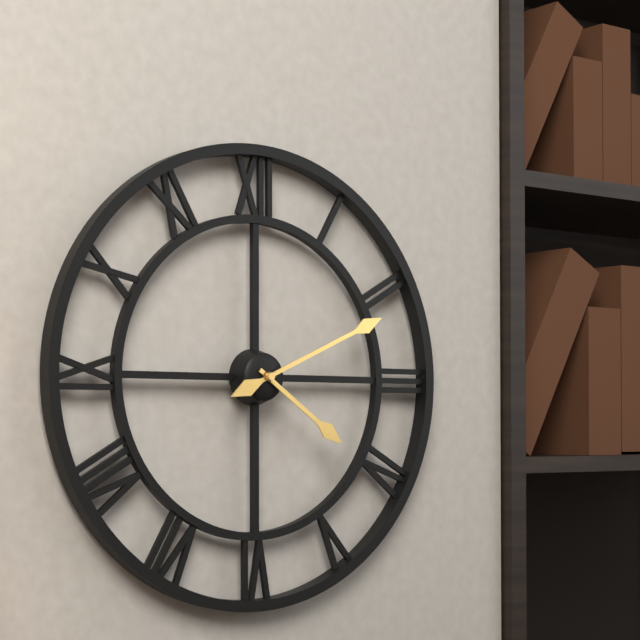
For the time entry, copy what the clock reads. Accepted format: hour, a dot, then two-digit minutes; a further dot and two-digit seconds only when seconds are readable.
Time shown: 4.11
